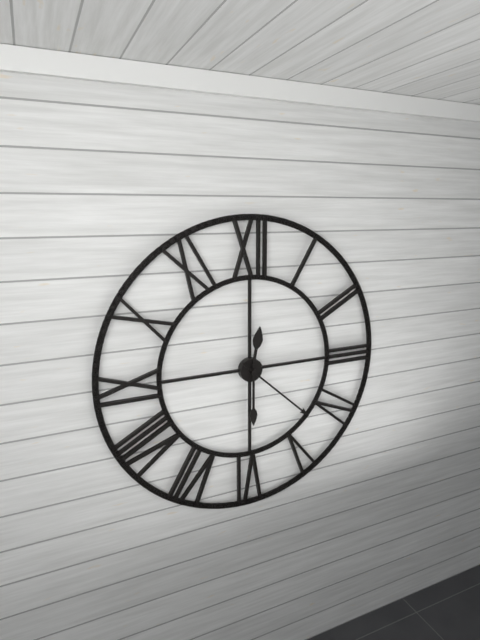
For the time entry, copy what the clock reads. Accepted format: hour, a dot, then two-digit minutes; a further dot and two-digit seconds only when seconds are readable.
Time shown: 12.22.30
